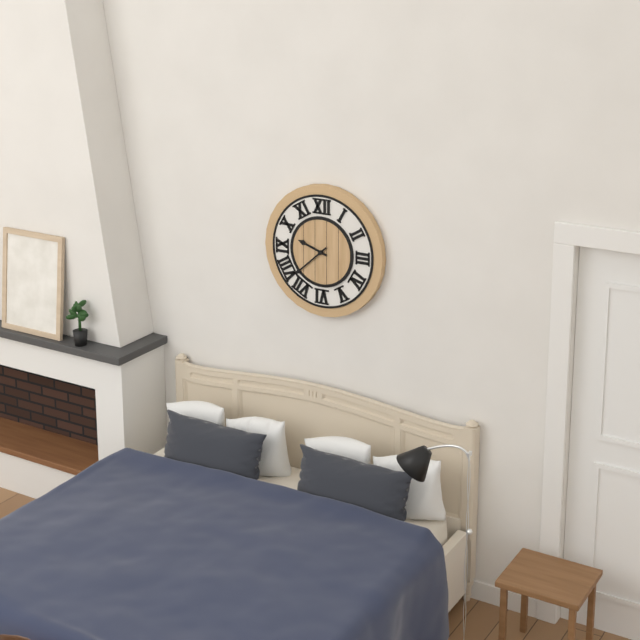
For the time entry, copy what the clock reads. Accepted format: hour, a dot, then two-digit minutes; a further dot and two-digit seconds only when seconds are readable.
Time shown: 9.38
